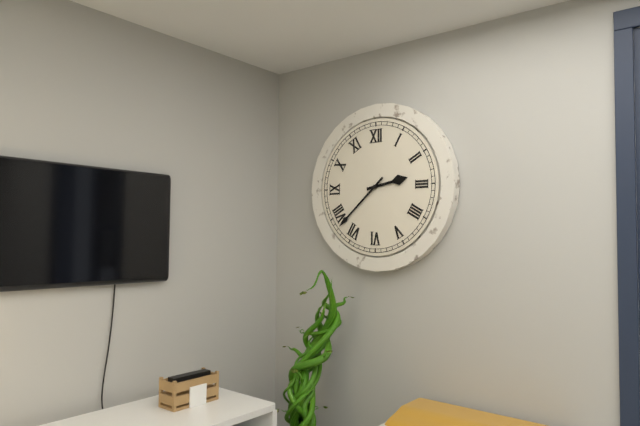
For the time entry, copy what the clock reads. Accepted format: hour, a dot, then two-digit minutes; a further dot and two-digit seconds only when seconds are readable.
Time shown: 2.38
